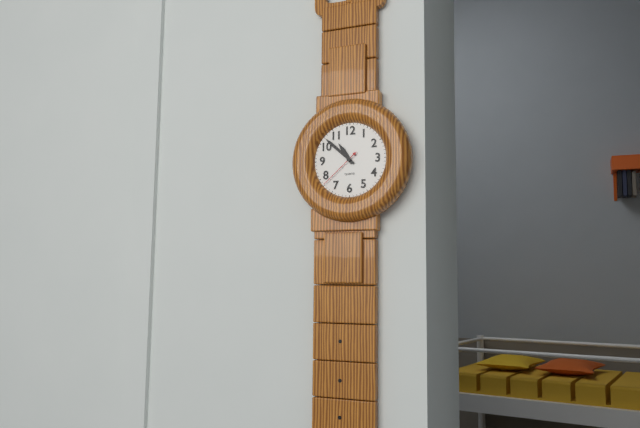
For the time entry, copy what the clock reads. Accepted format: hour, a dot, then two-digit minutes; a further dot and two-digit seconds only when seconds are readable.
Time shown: 10.52
